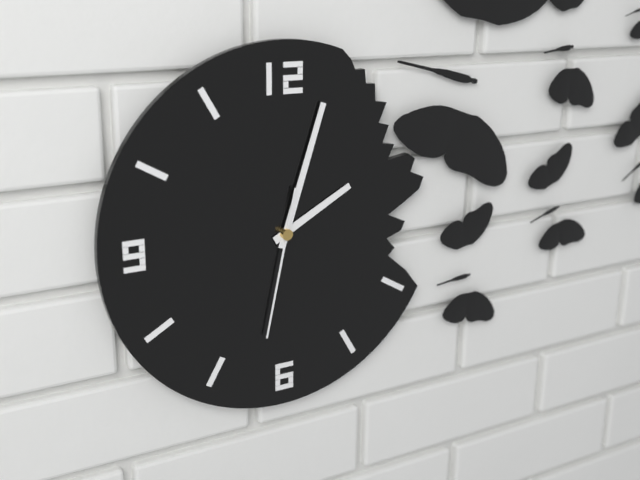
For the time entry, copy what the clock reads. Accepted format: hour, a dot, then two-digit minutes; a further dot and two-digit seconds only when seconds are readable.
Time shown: 2.03.32
